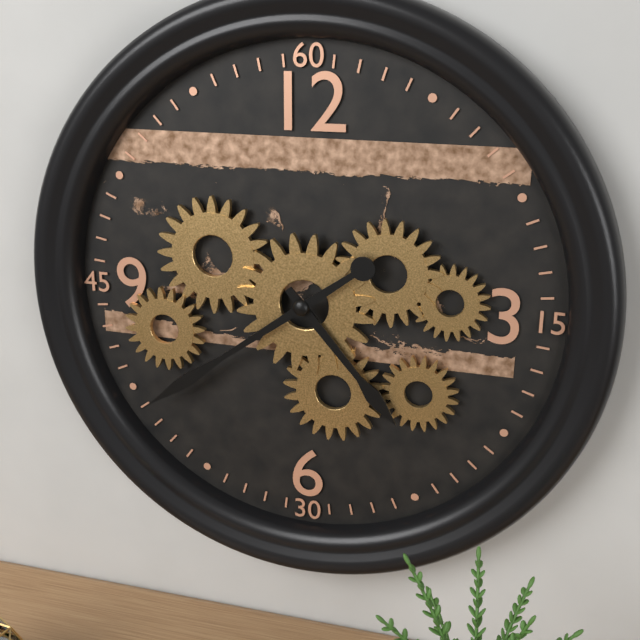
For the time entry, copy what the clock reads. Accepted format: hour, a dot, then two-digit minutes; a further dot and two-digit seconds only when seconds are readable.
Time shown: 4.39
